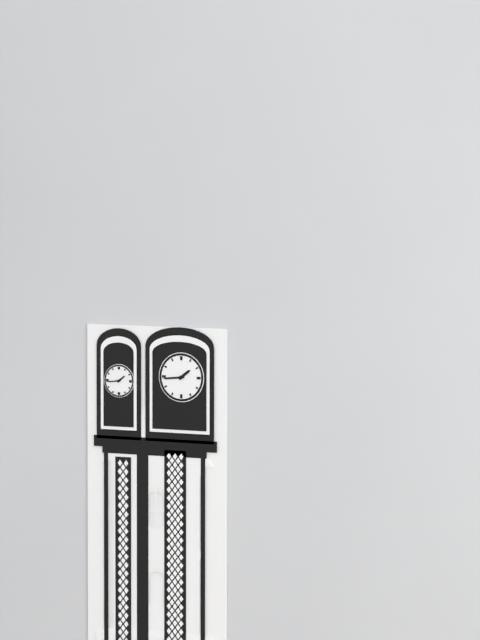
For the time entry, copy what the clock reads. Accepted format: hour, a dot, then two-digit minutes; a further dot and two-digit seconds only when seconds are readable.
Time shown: 1.44
